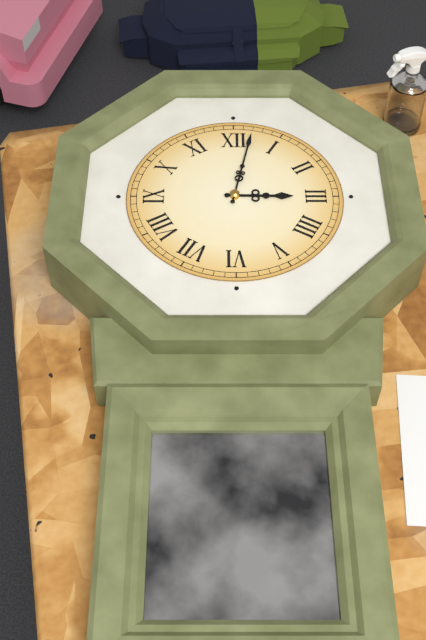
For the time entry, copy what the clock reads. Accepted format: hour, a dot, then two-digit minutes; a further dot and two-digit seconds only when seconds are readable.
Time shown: 3.02
